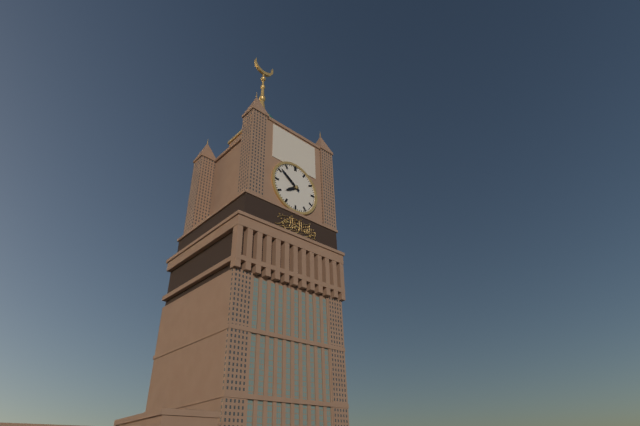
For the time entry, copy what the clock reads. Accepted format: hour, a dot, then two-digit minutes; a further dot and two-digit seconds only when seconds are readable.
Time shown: 7.51
